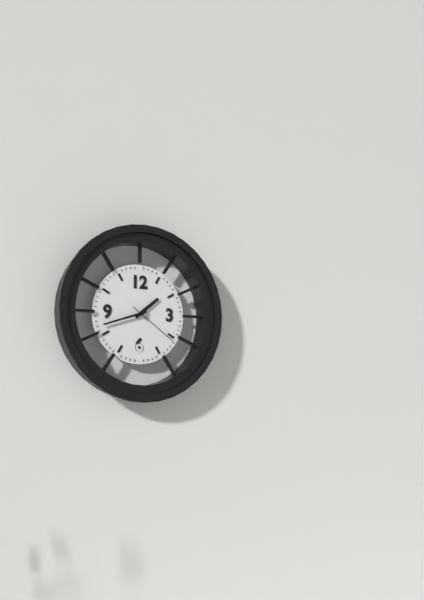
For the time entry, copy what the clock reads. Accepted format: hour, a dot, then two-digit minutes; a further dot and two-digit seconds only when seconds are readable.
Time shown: 1.42.21
